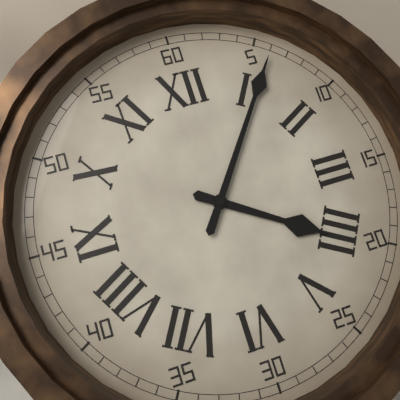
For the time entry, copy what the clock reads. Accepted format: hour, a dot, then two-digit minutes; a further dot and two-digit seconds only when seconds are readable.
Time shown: 4.06
